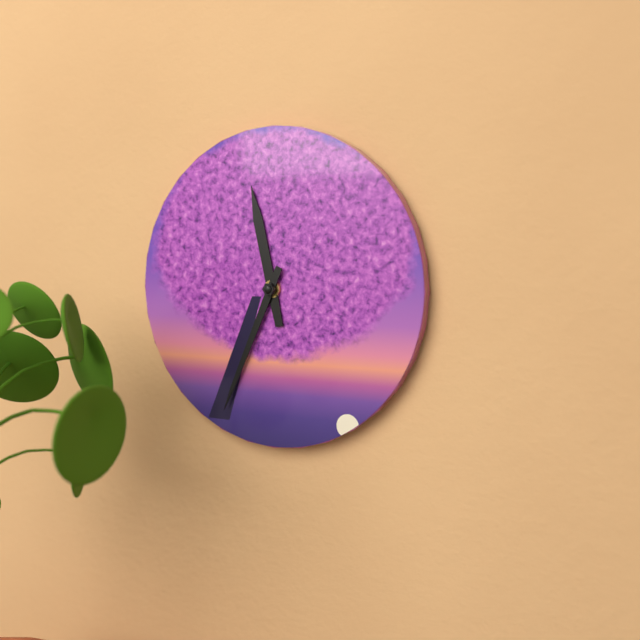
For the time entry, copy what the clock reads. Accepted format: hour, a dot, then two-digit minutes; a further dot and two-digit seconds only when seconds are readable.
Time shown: 11.34
